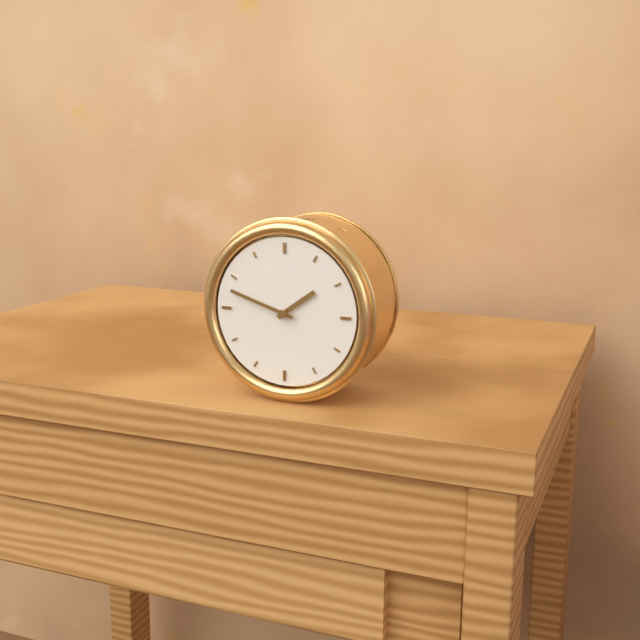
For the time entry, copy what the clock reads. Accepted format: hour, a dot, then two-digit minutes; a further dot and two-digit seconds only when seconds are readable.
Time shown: 1.48
